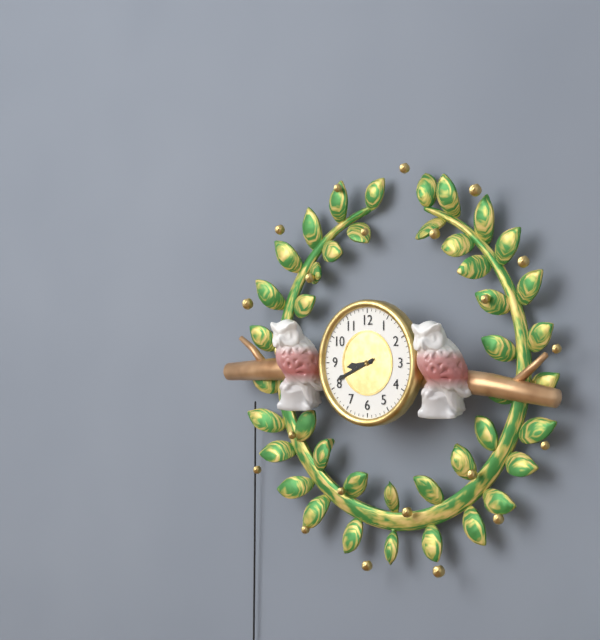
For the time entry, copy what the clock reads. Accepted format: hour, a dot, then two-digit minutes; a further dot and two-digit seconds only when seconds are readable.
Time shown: 8.41
